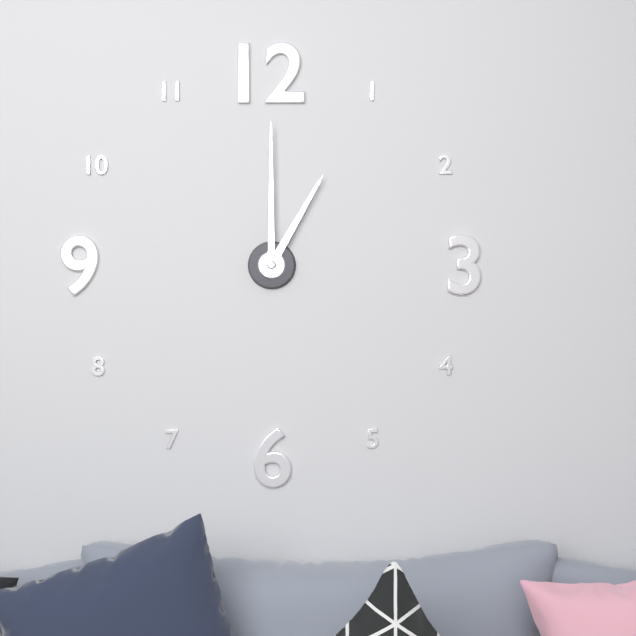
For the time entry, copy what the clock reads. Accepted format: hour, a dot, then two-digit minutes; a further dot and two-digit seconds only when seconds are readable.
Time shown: 1.00
